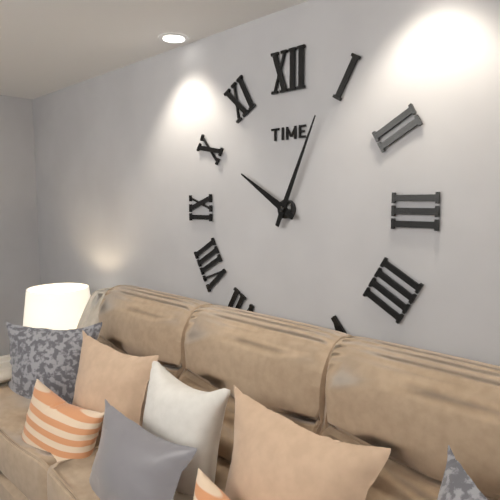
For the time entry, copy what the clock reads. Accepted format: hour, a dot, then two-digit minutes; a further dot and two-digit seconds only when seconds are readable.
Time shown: 10.04
